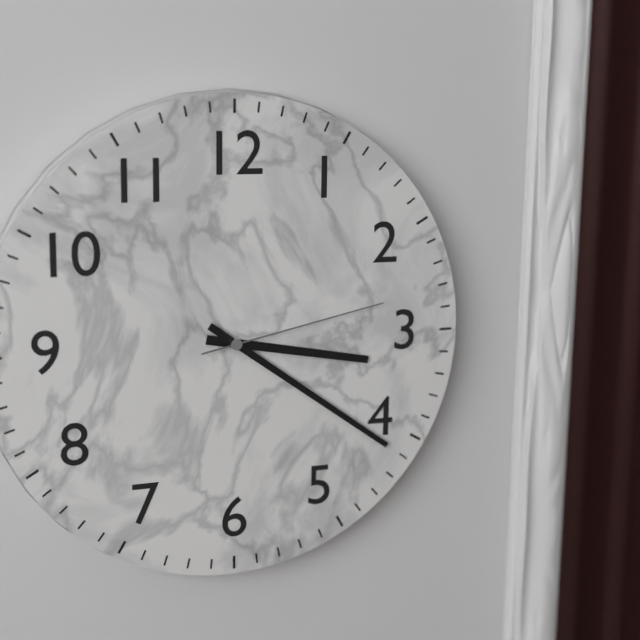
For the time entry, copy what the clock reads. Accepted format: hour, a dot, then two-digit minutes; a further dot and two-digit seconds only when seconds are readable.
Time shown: 3.21.13
